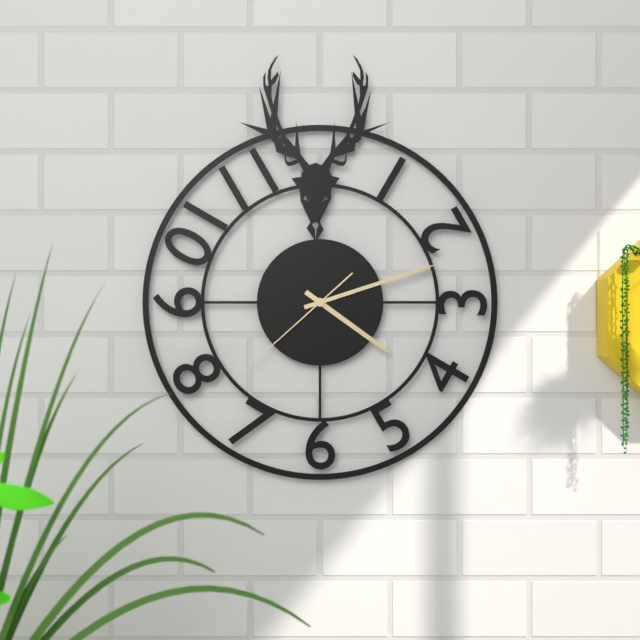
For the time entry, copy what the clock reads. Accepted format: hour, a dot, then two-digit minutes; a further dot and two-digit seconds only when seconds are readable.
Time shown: 4.12.38
